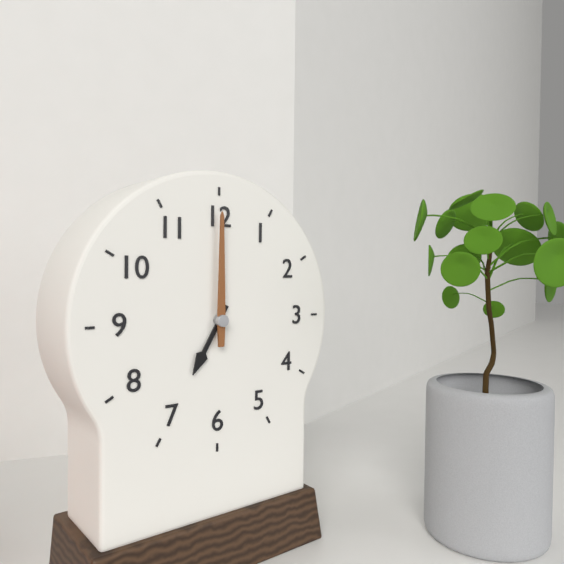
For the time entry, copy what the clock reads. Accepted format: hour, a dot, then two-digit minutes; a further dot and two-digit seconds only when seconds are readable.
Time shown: 7.00
